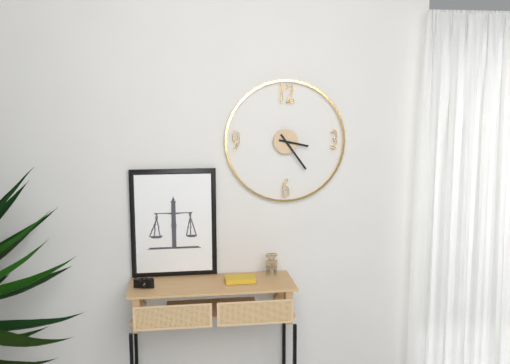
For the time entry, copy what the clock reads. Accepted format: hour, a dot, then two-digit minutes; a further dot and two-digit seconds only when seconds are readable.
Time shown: 3.24
